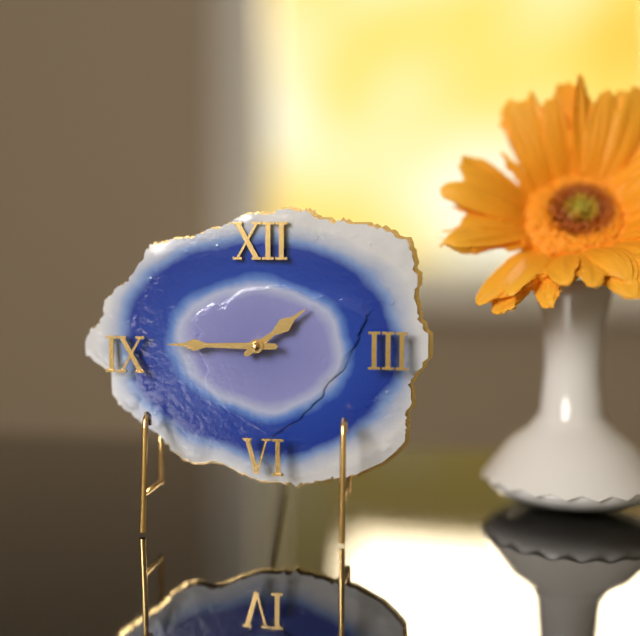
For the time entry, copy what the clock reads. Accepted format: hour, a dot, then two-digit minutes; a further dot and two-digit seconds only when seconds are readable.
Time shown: 1.45
